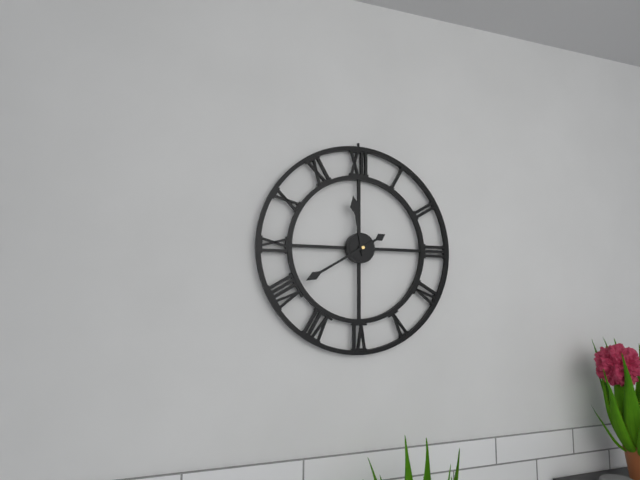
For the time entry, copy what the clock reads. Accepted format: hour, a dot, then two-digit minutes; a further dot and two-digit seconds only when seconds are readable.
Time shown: 11.40
